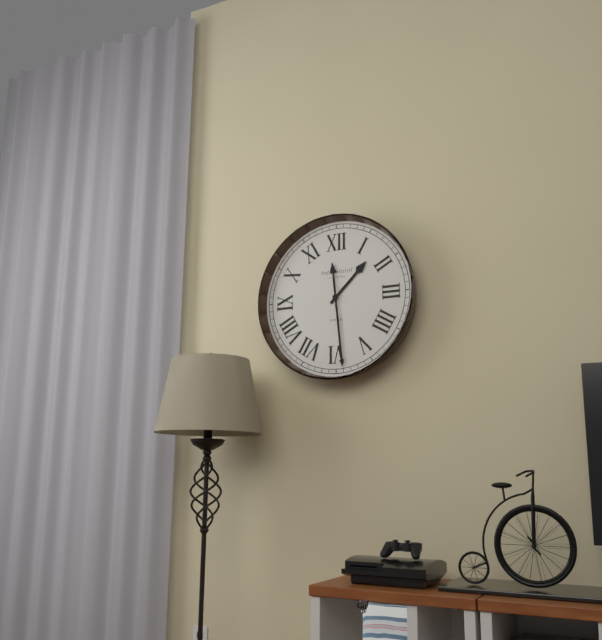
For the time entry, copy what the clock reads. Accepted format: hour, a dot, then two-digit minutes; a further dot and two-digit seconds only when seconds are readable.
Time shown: 1.29
